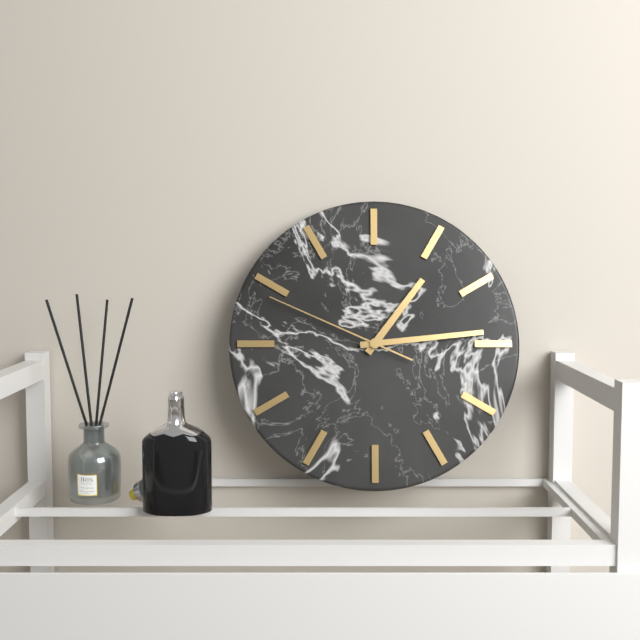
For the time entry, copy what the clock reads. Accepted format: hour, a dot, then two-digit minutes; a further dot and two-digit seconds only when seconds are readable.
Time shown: 1.14.49
